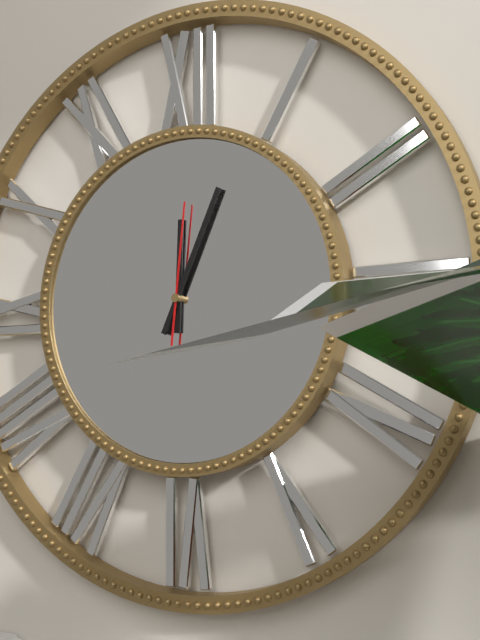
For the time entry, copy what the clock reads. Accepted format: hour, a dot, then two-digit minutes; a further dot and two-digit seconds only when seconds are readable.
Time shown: 12.04.01
